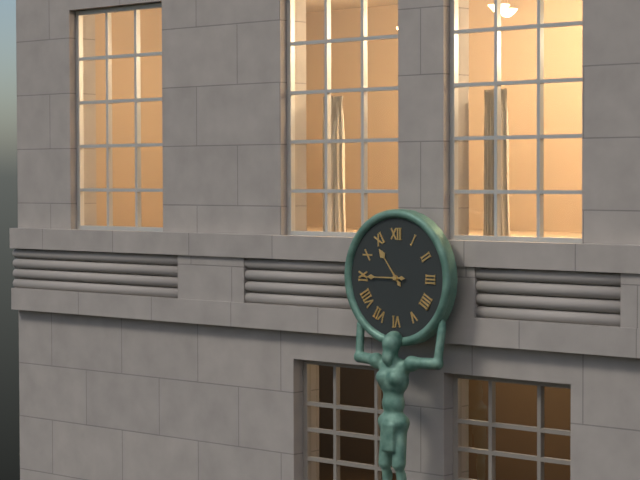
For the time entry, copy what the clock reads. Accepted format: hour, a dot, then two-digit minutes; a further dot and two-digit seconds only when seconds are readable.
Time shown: 10.45
